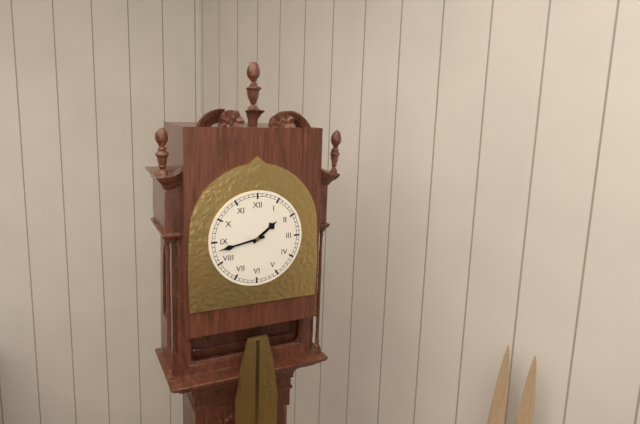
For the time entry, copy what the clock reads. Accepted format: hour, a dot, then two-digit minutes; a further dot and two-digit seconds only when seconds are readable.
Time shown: 1.43
